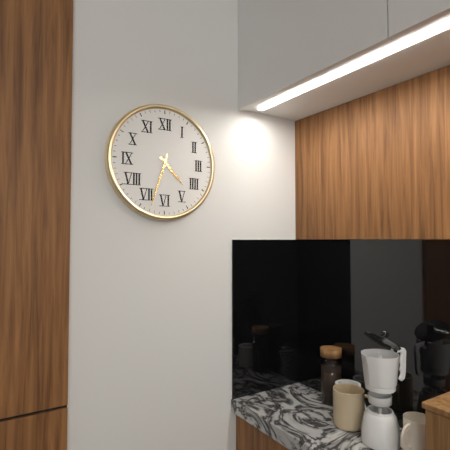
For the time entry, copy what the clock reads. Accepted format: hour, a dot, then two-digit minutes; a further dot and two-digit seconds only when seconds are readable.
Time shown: 4.33
